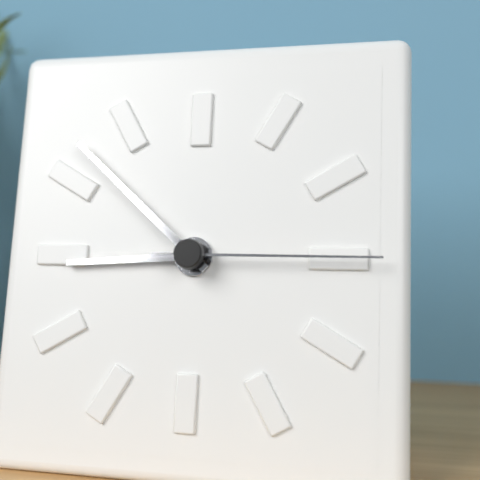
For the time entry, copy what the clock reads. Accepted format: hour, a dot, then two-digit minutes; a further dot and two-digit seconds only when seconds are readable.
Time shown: 8.52.15
